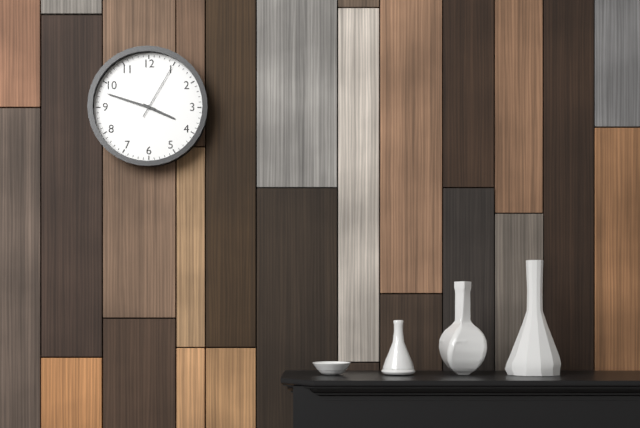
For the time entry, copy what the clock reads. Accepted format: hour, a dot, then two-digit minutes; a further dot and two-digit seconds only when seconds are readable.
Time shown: 3.48.05
